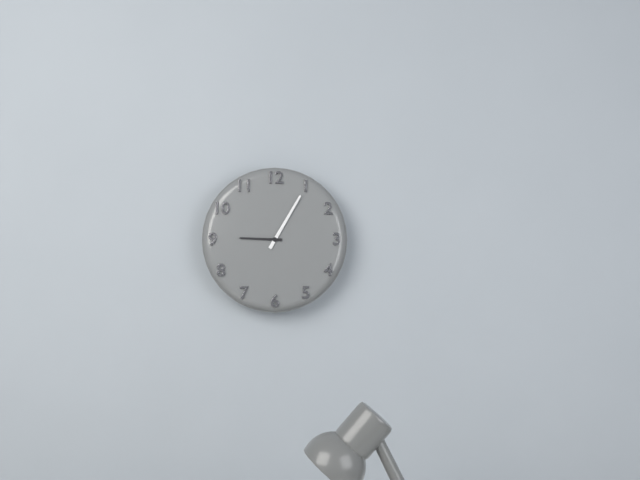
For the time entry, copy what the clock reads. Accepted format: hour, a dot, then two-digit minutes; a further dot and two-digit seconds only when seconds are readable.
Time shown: 9.05
